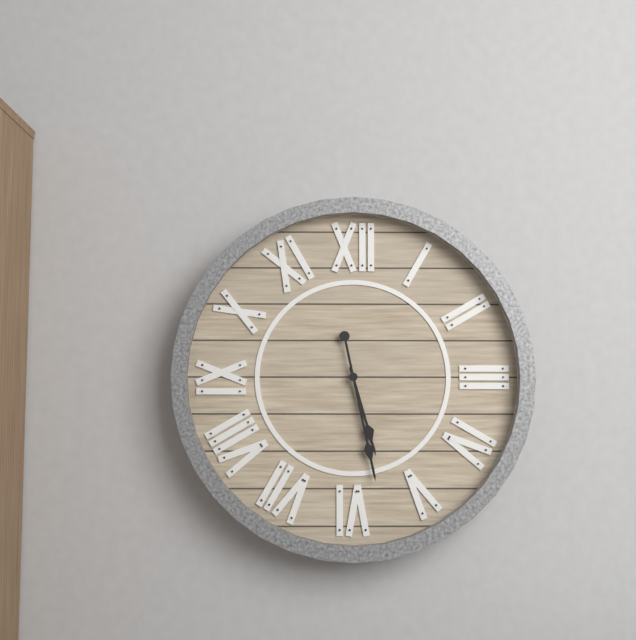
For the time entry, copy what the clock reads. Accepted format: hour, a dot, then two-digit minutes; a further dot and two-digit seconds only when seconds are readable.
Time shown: 5.28
